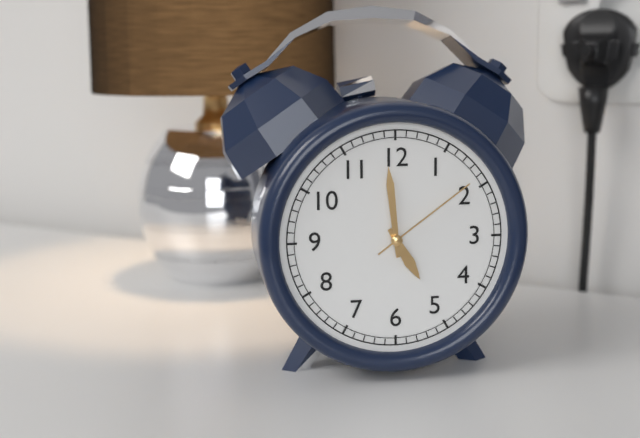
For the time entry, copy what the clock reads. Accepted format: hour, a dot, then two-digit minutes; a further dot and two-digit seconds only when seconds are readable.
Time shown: 4.59.09
